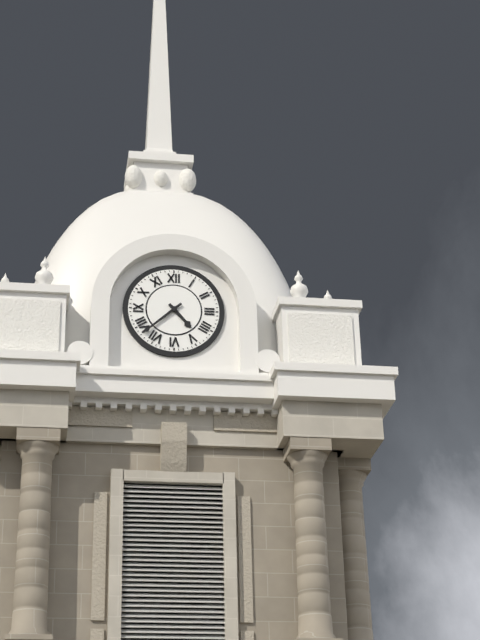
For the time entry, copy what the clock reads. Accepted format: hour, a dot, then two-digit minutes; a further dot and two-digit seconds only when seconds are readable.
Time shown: 4.38
